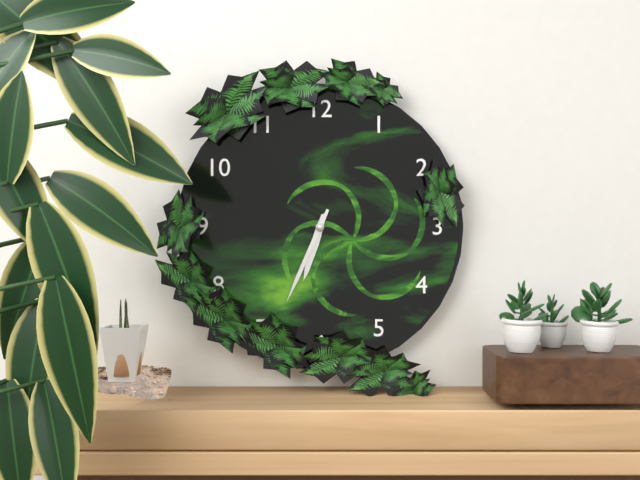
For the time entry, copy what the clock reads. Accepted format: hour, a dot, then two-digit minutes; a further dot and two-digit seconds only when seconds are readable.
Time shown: 6.34
